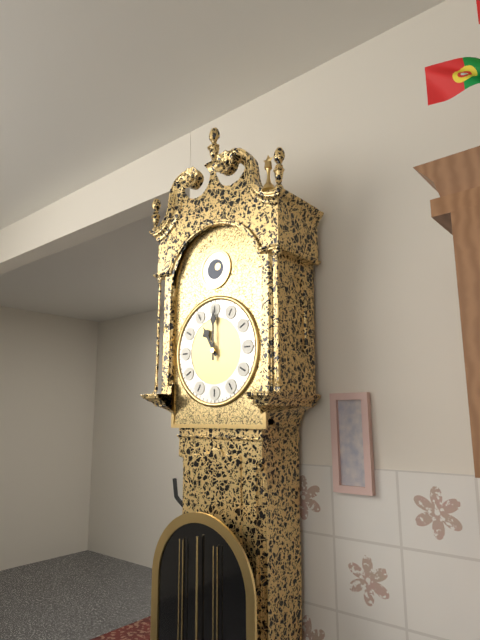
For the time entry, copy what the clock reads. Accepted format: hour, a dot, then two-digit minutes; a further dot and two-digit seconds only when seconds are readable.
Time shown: 11.00
